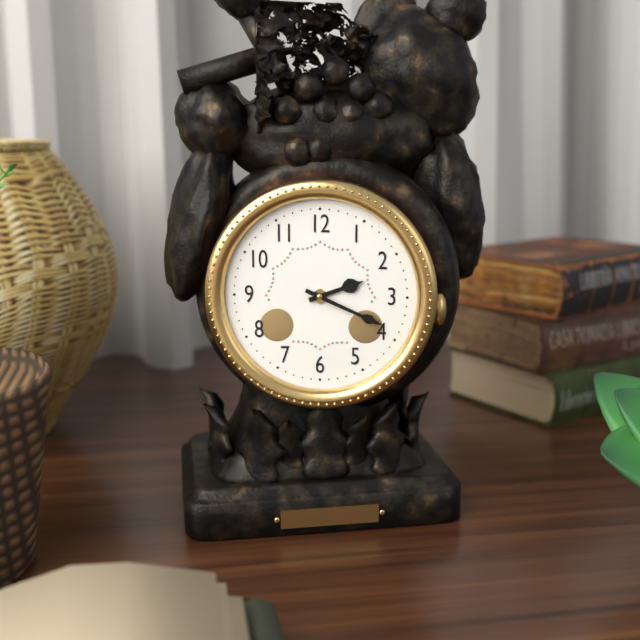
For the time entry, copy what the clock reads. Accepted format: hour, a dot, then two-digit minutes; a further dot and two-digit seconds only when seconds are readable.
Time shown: 2.19
